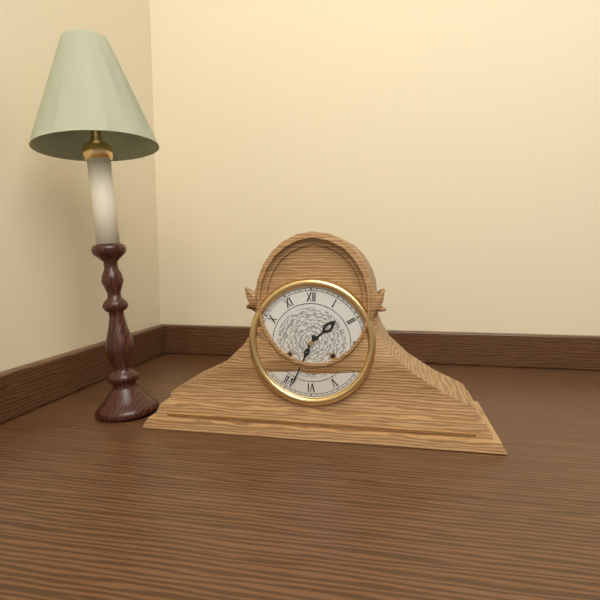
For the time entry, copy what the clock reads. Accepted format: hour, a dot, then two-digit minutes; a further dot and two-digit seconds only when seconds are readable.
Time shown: 1.34
